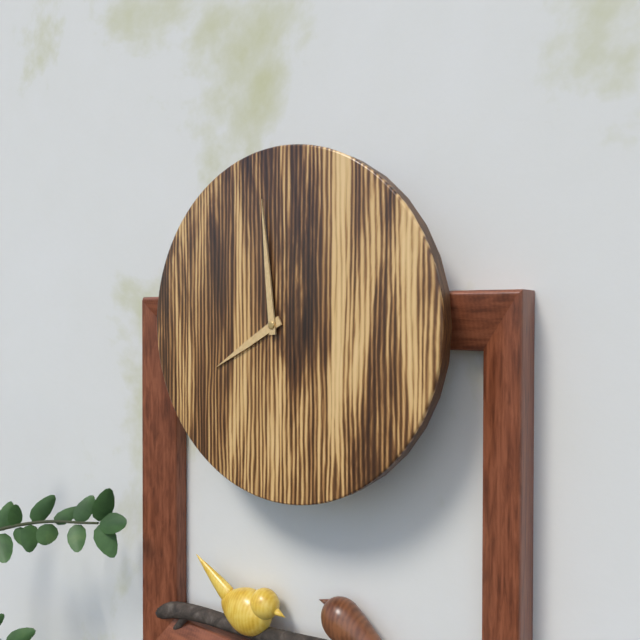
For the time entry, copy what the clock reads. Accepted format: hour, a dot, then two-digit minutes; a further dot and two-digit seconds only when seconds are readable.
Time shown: 7.59
